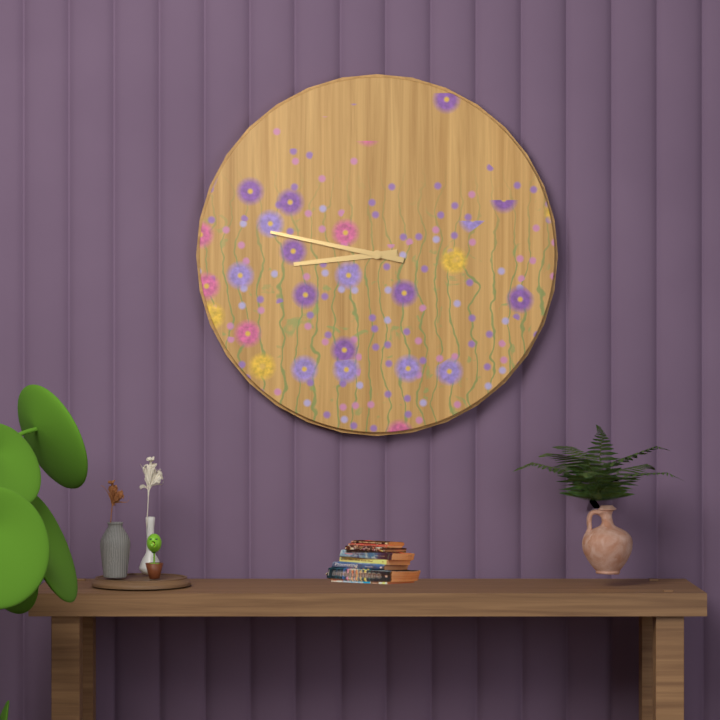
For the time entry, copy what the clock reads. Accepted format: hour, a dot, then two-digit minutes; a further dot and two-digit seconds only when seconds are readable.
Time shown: 8.47
